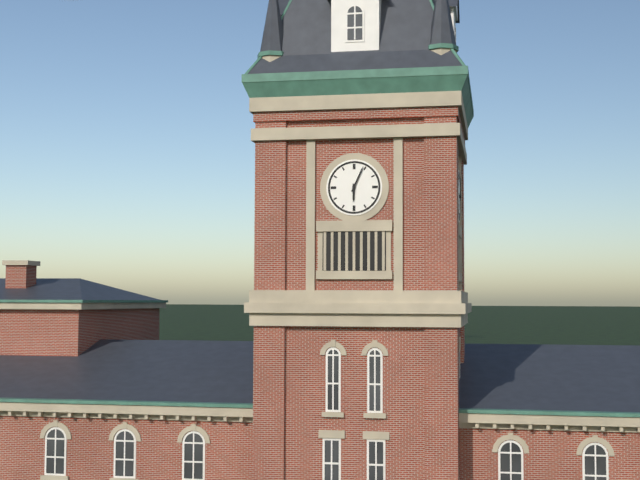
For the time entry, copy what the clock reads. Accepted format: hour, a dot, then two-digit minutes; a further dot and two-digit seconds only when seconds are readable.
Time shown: 6.04
